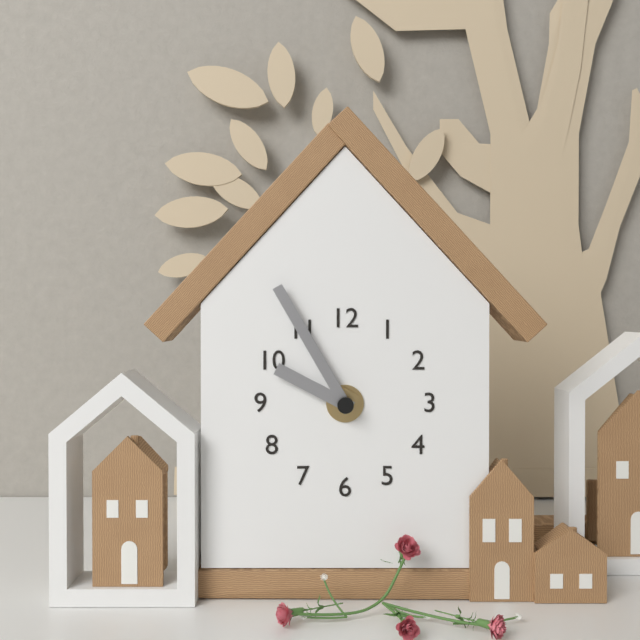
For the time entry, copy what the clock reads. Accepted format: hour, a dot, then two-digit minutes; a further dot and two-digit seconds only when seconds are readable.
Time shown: 9.55
